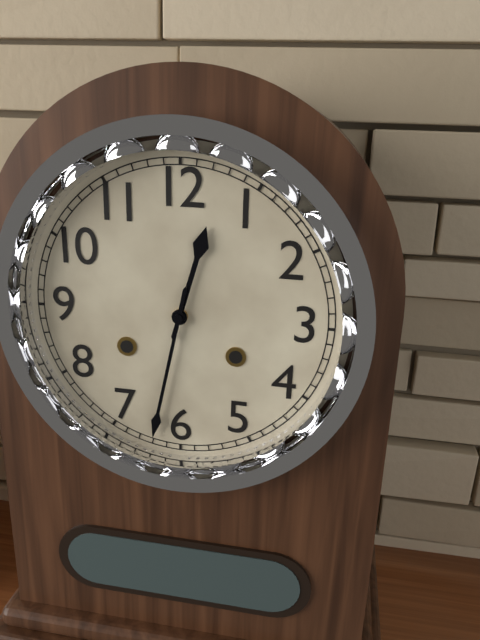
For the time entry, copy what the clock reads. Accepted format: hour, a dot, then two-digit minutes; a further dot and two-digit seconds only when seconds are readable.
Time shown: 12.32
